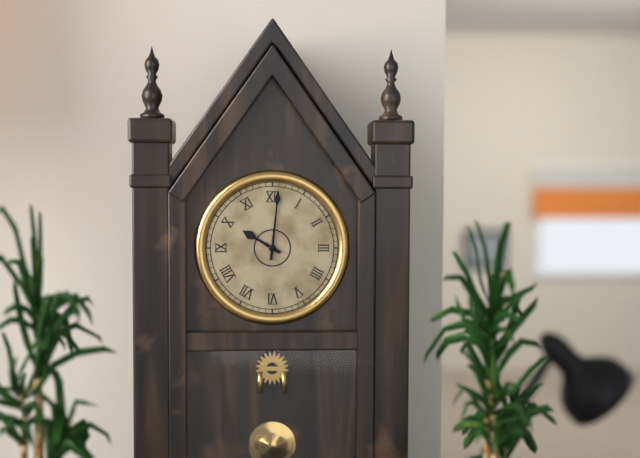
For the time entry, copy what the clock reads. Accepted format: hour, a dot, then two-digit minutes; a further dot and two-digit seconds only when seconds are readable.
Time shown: 10.01
